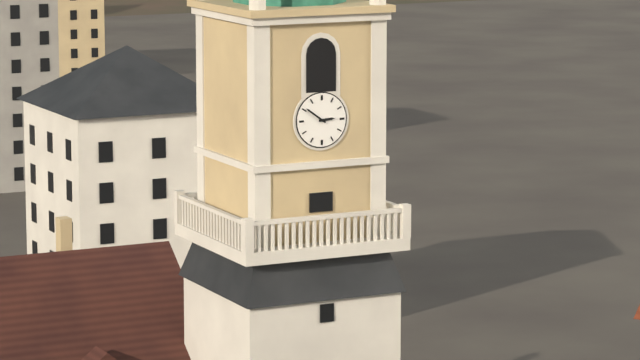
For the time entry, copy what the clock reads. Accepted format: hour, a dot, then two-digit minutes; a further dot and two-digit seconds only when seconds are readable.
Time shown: 2.51
